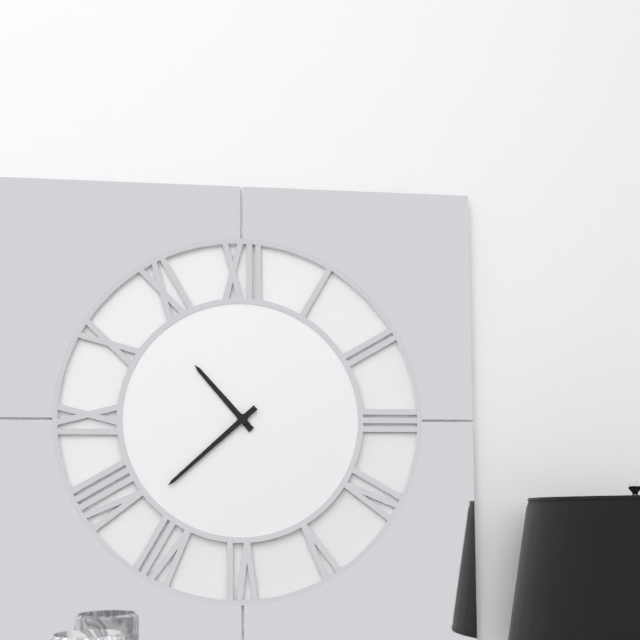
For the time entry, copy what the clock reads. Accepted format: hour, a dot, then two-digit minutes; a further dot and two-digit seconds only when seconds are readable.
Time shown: 10.38
